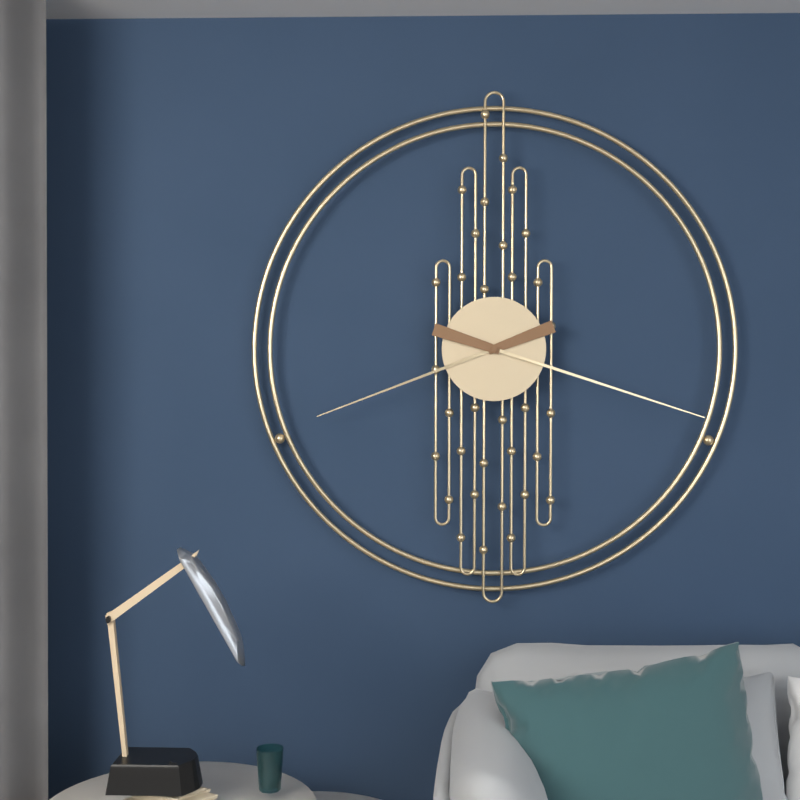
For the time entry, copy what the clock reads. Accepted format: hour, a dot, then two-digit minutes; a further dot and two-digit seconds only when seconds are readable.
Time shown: 8.18
